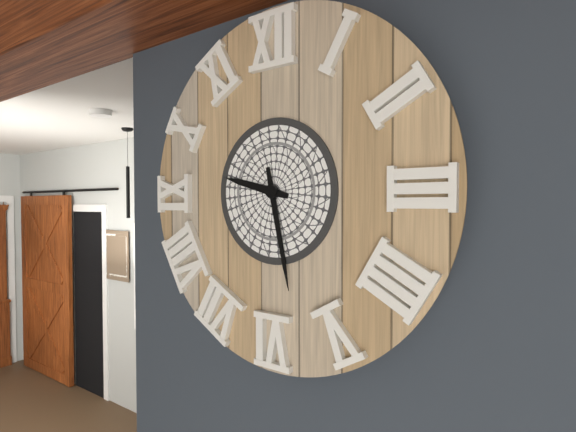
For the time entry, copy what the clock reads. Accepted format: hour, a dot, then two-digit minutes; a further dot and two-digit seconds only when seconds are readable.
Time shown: 9.28
